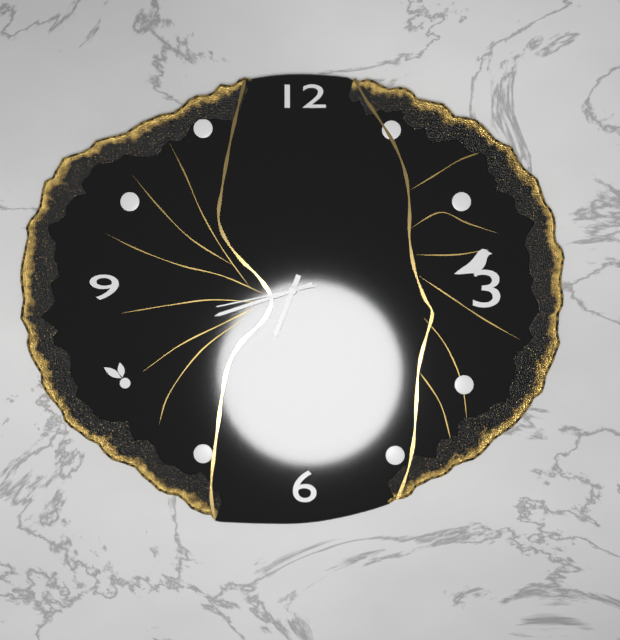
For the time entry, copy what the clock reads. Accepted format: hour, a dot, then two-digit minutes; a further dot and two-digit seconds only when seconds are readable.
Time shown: 6.42.43
